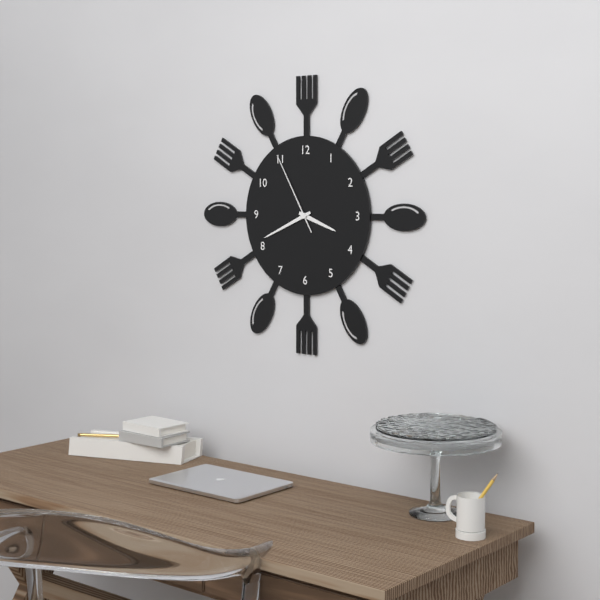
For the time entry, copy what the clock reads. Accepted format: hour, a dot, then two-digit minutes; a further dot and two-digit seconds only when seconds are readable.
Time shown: 3.41.55
